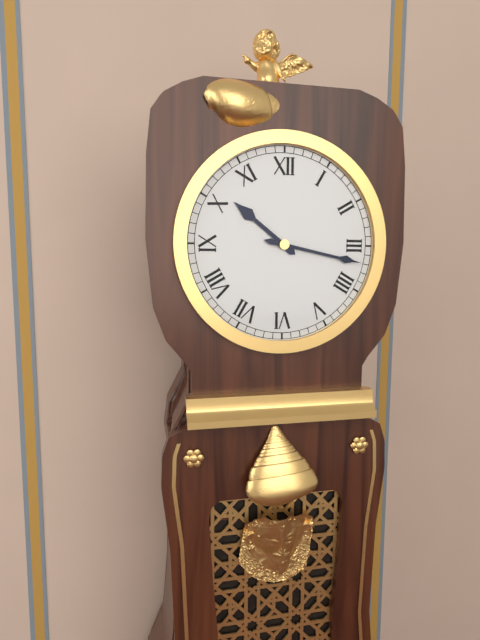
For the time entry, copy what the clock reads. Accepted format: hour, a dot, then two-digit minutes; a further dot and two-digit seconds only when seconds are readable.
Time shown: 10.17
